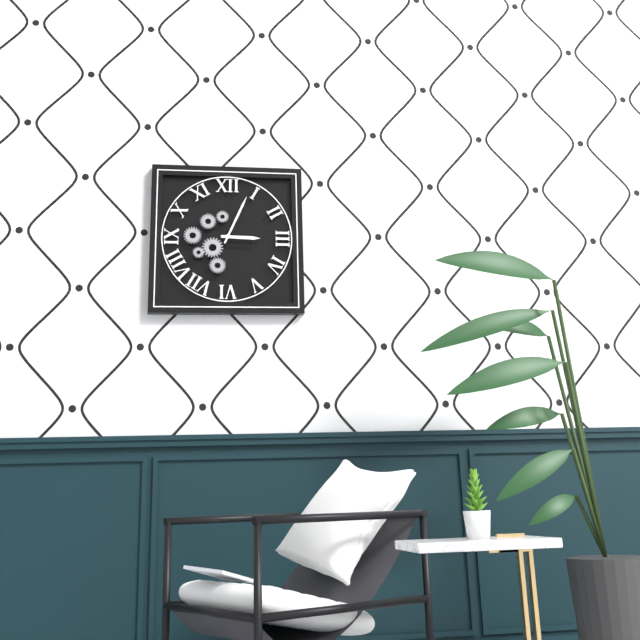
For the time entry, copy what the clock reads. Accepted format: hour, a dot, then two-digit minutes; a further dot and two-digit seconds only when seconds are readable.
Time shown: 3.04
